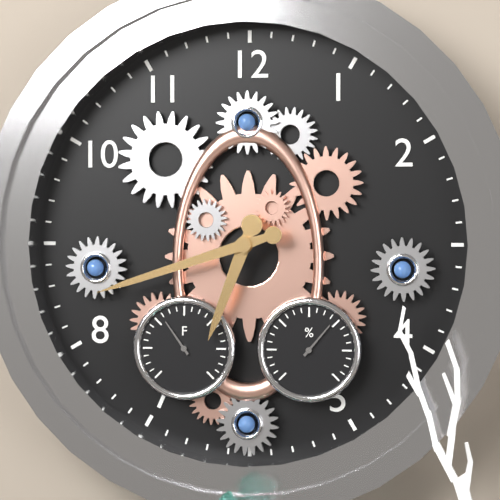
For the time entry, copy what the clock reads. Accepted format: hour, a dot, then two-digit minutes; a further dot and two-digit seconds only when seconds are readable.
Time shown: 6.42
